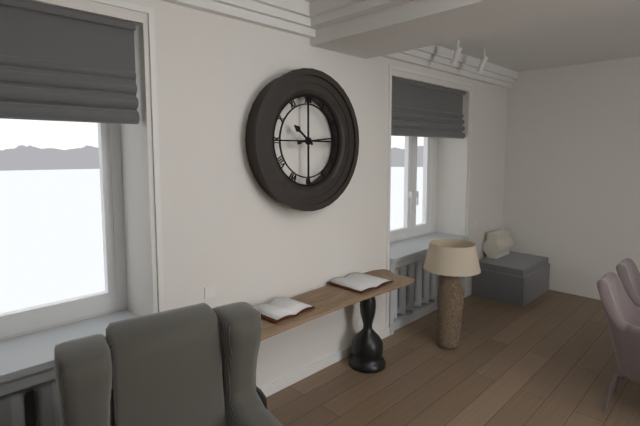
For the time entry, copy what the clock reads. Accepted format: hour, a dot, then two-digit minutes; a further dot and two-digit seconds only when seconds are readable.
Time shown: 10.14
